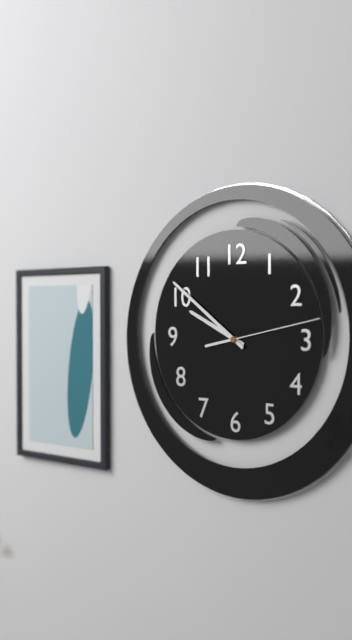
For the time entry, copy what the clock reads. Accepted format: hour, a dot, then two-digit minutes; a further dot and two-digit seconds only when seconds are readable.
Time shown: 9.51.13
